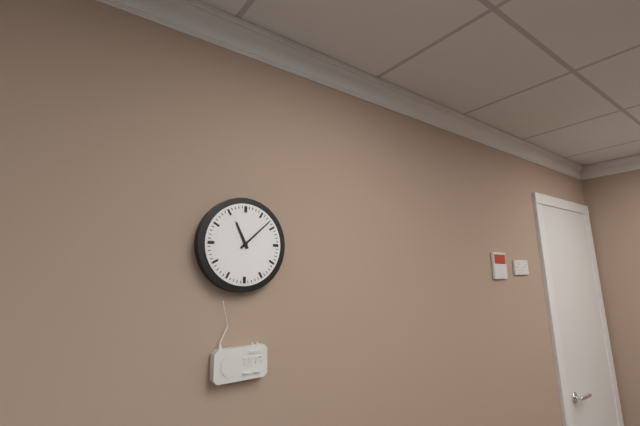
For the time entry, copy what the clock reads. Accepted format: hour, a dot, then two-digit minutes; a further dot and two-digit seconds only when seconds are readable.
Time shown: 11.08
